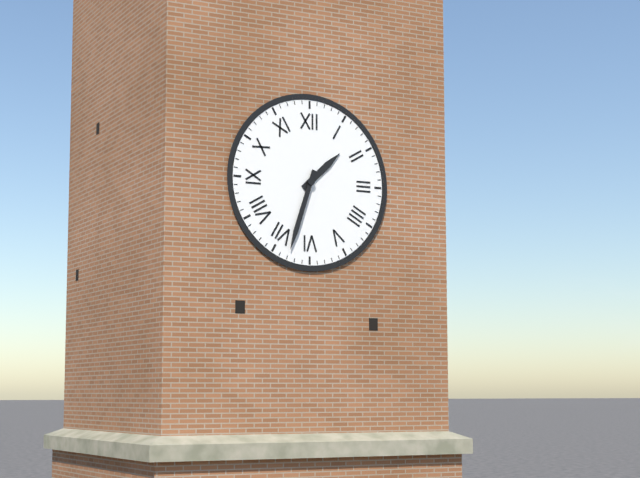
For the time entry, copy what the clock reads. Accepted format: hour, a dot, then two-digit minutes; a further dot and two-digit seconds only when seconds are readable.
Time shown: 1.33
